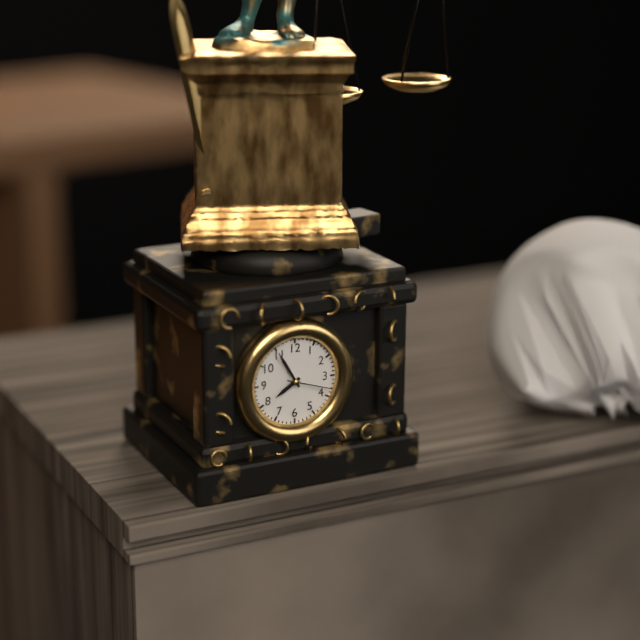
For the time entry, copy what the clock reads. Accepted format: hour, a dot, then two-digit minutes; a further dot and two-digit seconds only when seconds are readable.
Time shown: 7.55.18
